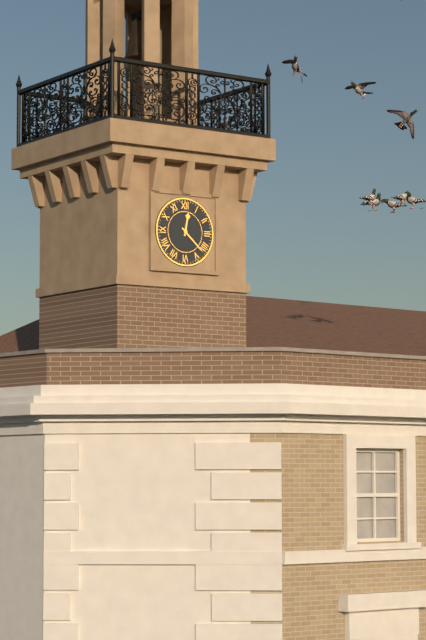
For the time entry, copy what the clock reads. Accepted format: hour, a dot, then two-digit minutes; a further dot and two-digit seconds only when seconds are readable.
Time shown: 12.22
